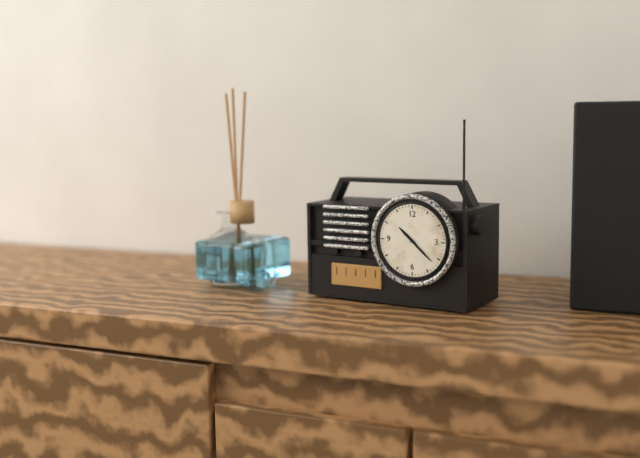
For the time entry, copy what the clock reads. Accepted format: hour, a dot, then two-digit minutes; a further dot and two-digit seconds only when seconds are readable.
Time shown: 10.22
